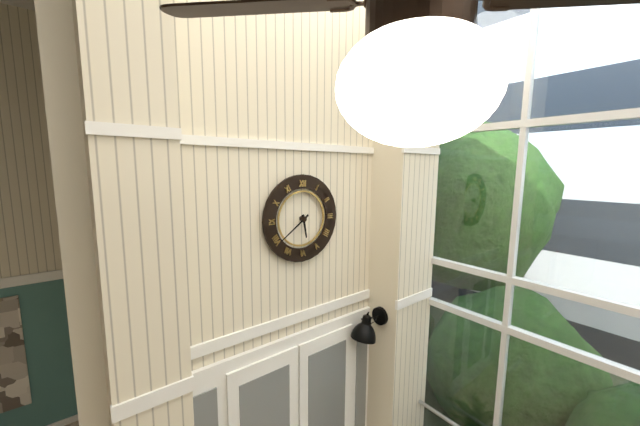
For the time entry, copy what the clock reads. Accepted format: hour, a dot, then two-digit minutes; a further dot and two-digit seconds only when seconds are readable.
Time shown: 5.39
